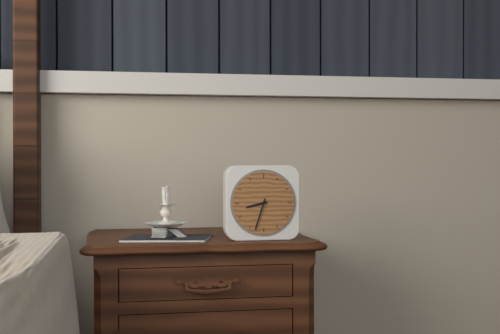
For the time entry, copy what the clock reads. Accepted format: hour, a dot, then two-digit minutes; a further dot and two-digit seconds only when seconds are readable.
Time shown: 8.33
